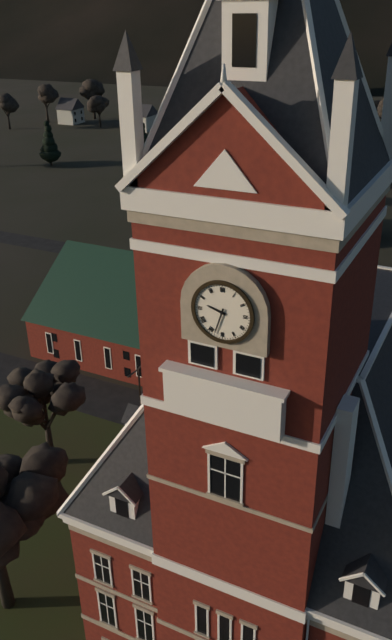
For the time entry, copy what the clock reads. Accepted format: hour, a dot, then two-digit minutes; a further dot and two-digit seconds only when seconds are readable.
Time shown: 9.33
